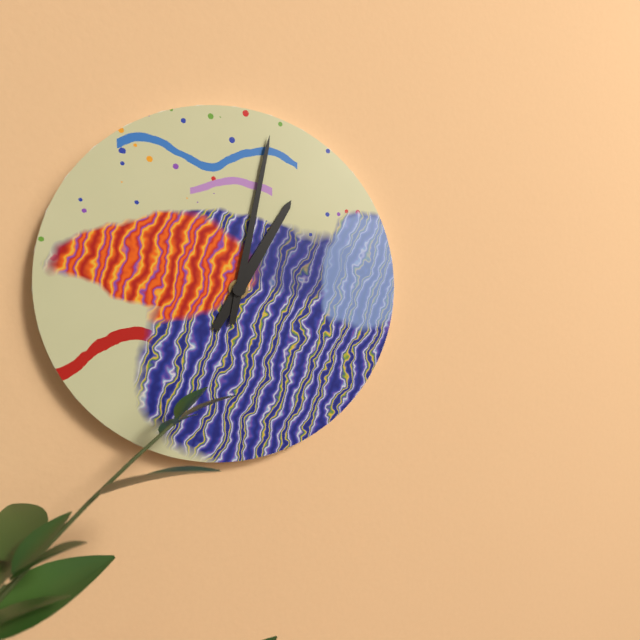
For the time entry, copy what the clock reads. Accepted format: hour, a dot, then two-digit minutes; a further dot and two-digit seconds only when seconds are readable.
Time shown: 1.02
